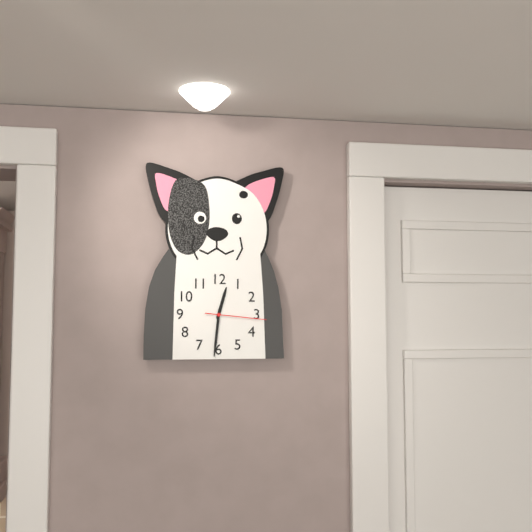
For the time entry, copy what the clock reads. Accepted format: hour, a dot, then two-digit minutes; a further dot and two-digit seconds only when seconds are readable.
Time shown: 12.31.16
